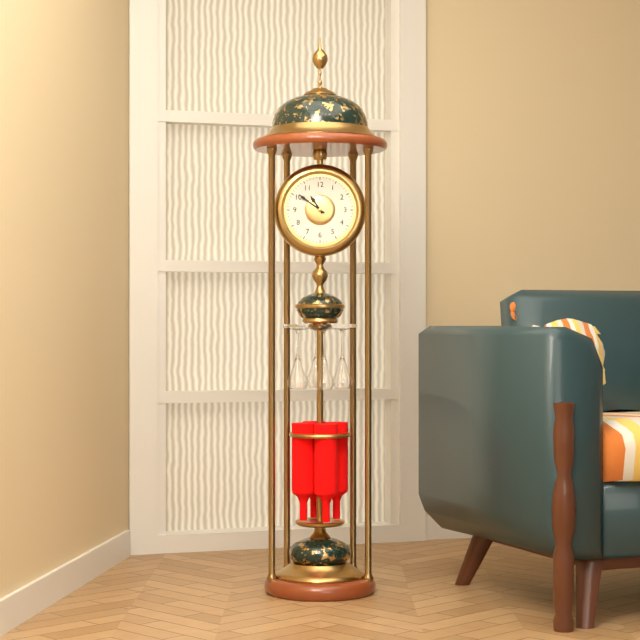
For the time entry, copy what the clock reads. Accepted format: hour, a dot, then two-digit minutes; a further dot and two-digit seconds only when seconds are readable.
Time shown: 10.51
